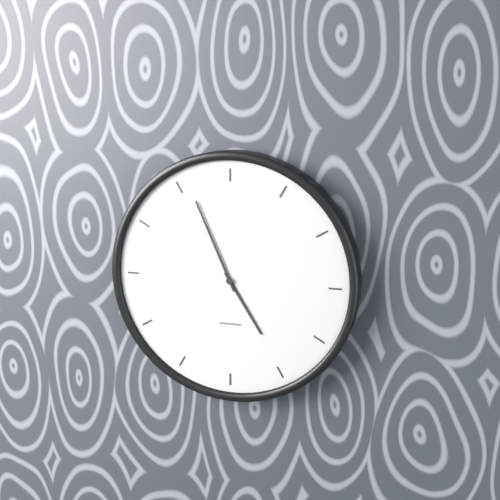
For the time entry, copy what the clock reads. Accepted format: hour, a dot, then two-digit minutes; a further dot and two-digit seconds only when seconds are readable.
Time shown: 4.56
